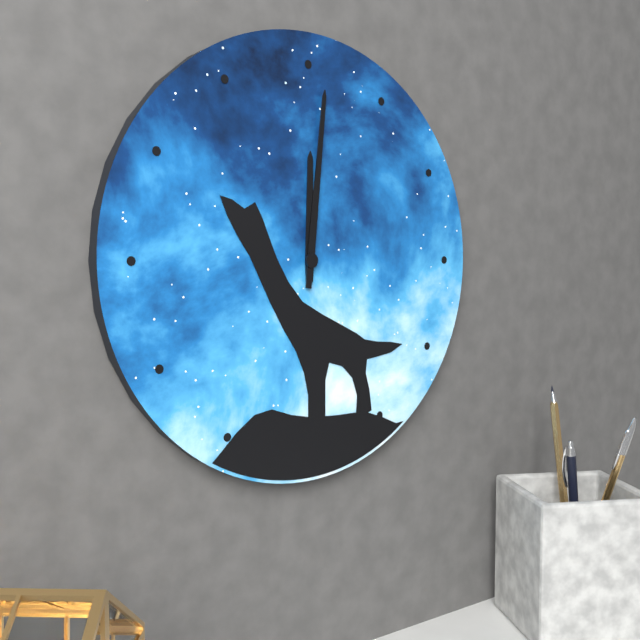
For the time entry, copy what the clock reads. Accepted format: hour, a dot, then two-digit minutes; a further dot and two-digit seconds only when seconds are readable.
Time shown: 12.01
